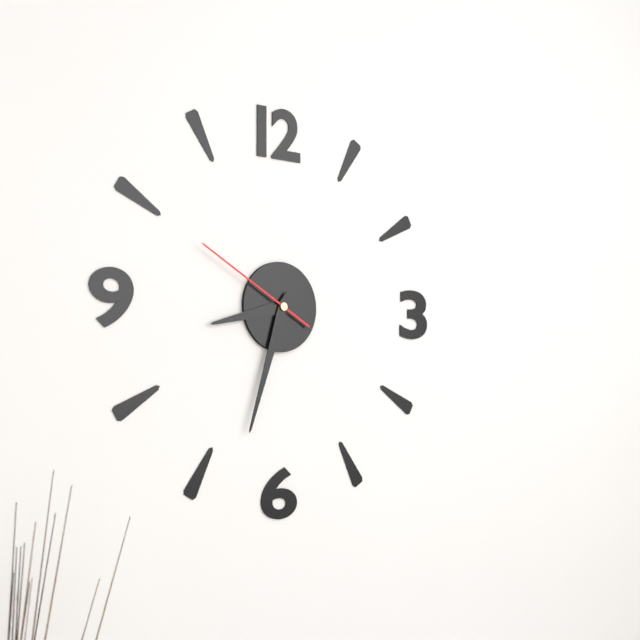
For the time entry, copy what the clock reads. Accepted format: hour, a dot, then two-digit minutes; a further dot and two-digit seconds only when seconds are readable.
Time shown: 8.33.50
